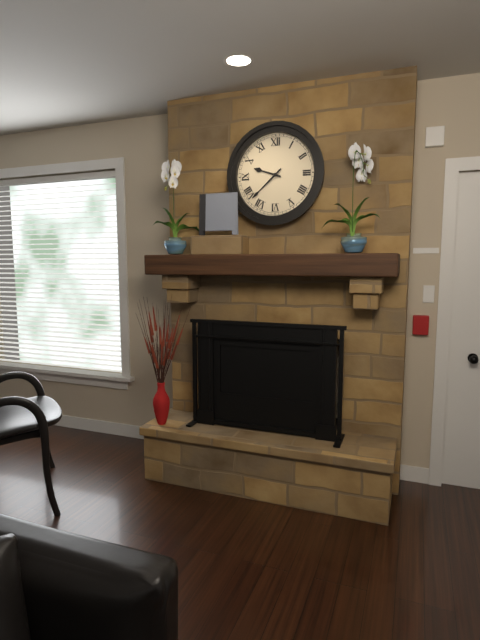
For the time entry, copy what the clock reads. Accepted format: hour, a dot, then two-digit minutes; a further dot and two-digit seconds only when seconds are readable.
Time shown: 9.38
